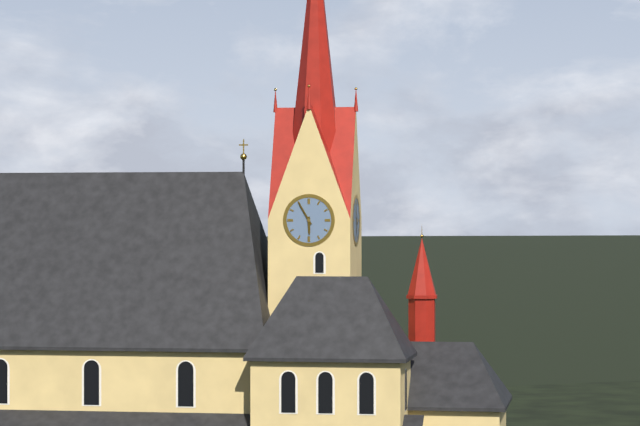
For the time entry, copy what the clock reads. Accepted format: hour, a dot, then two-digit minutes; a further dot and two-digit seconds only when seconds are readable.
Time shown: 5.55
